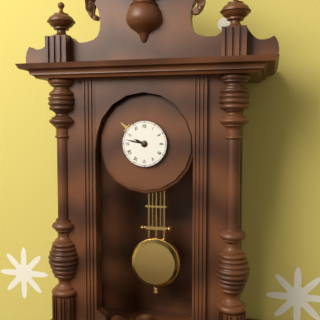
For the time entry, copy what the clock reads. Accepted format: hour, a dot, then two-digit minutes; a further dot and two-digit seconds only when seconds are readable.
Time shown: 9.47
